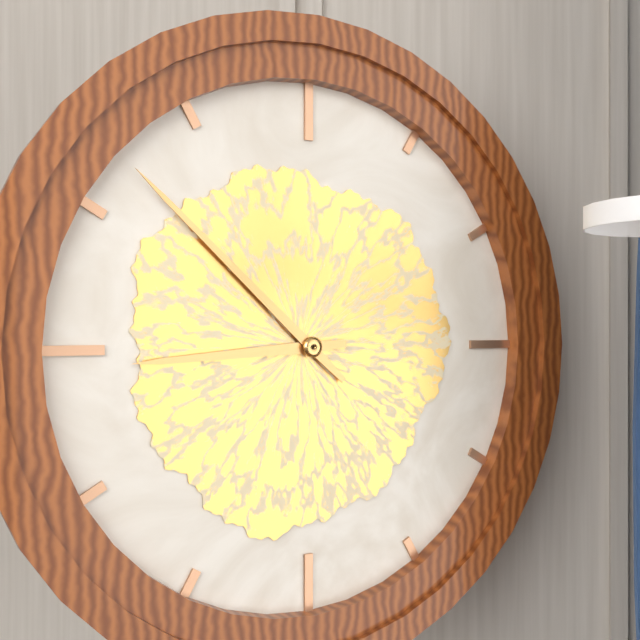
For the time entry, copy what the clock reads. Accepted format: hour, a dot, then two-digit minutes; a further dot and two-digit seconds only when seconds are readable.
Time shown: 8.52
